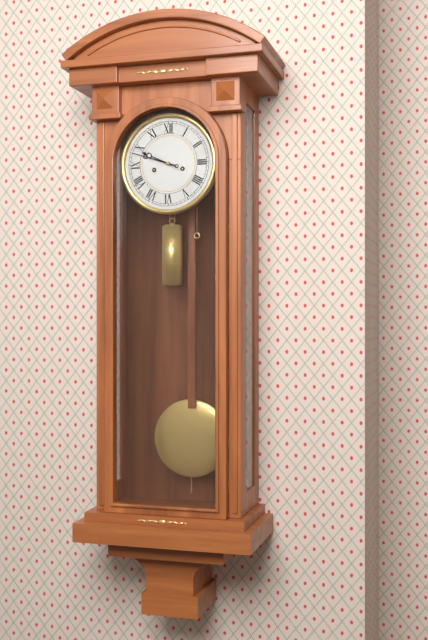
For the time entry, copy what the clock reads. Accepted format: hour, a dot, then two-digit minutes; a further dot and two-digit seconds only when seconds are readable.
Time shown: 9.48
